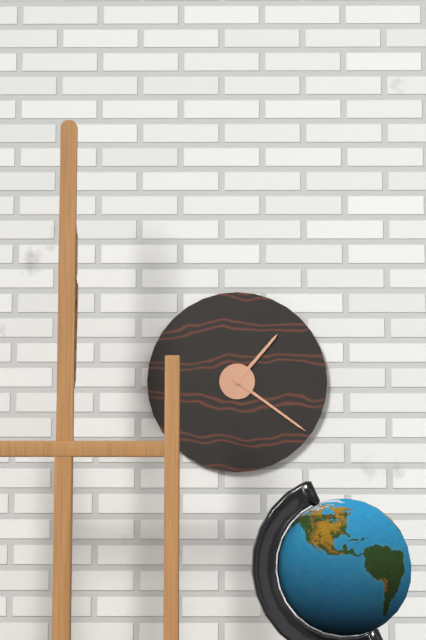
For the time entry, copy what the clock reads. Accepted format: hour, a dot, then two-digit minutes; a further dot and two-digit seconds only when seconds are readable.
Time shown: 1.21
